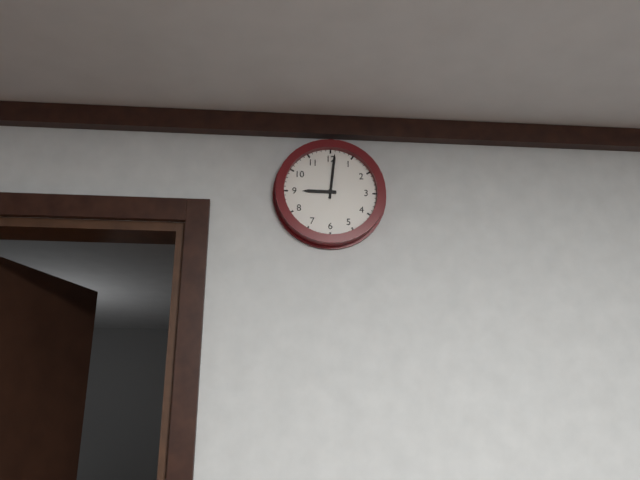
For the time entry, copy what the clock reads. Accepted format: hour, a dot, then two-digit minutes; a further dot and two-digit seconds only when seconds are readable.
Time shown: 9.01
